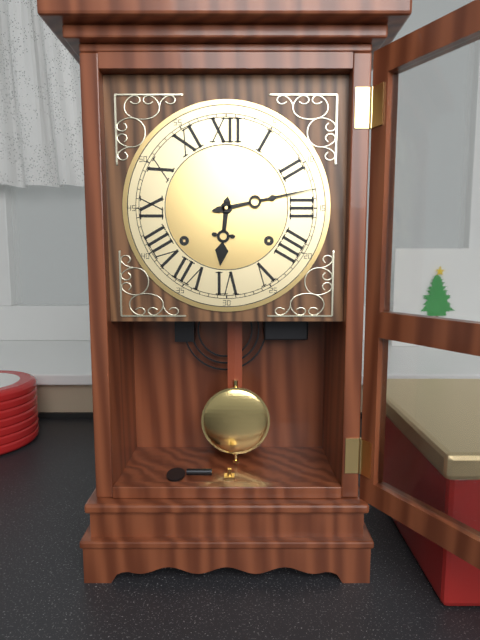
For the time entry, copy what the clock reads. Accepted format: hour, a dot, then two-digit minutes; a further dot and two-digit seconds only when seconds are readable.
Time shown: 6.13
